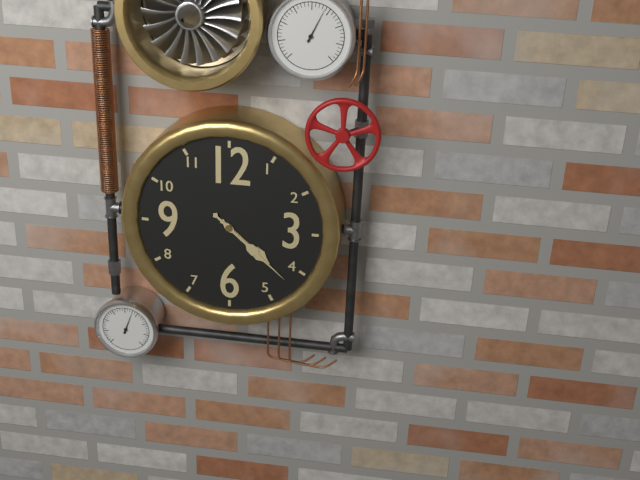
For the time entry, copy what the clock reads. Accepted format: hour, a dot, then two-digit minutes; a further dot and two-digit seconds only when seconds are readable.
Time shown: 4.22
